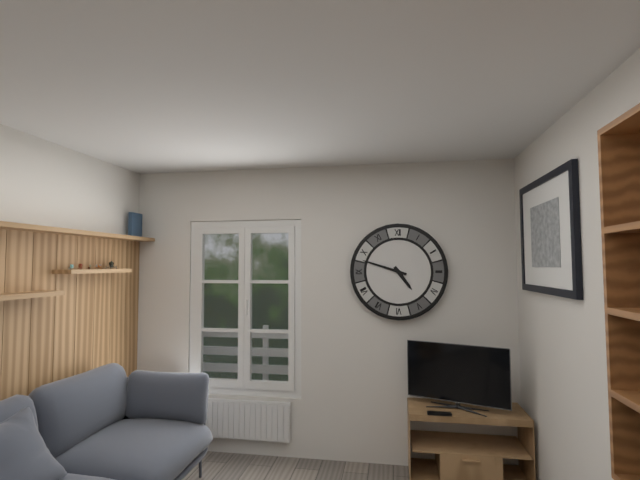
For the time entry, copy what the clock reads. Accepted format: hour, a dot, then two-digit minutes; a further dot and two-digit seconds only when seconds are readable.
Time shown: 4.48
